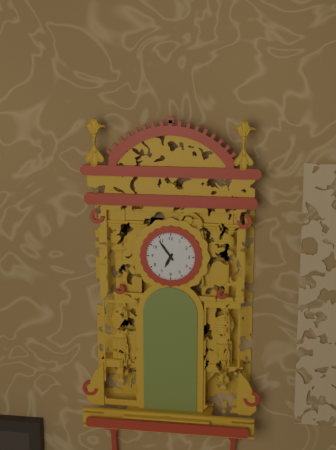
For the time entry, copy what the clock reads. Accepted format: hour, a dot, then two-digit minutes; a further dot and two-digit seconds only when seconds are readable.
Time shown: 6.54
